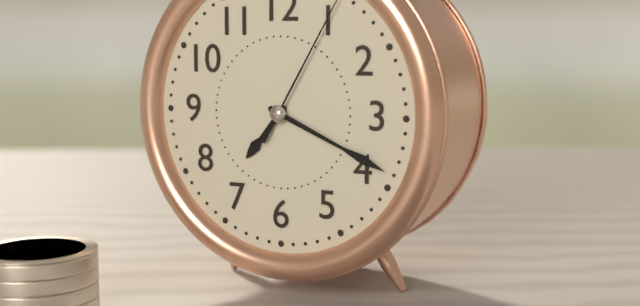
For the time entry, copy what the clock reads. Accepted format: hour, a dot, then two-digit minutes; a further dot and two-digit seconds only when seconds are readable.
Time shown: 7.19
